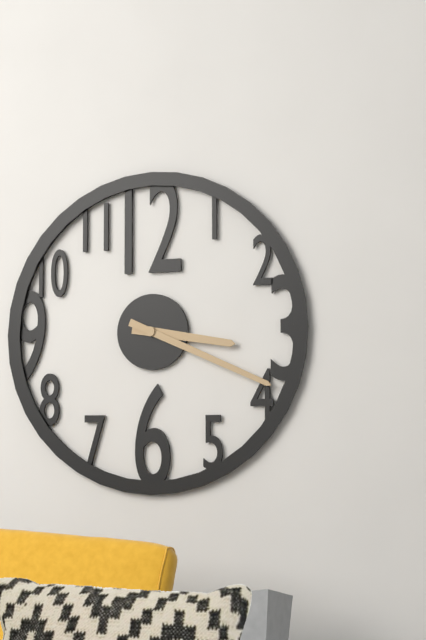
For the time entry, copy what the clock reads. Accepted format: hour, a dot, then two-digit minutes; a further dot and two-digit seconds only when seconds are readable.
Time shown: 3.19
